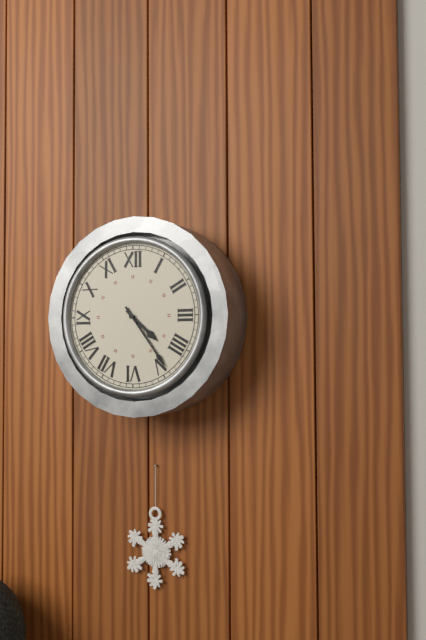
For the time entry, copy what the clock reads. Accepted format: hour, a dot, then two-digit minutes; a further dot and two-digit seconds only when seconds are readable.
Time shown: 4.24
